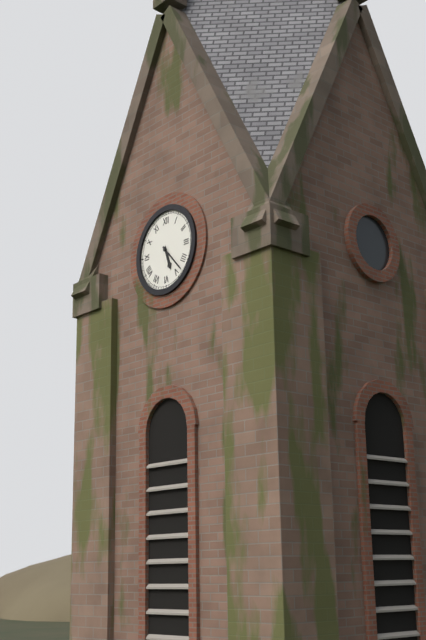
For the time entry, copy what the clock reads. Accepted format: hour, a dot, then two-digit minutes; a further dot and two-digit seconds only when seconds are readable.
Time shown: 5.23
